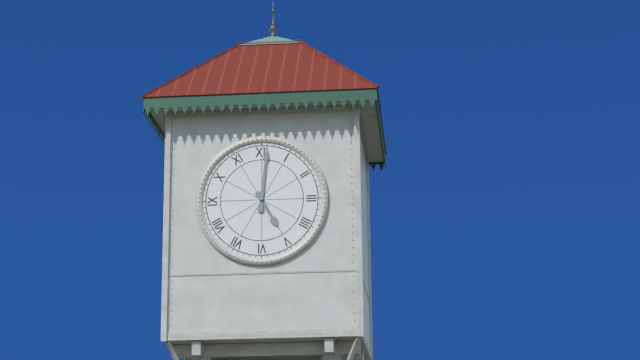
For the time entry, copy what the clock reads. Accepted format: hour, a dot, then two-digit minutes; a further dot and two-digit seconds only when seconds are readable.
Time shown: 5.01
